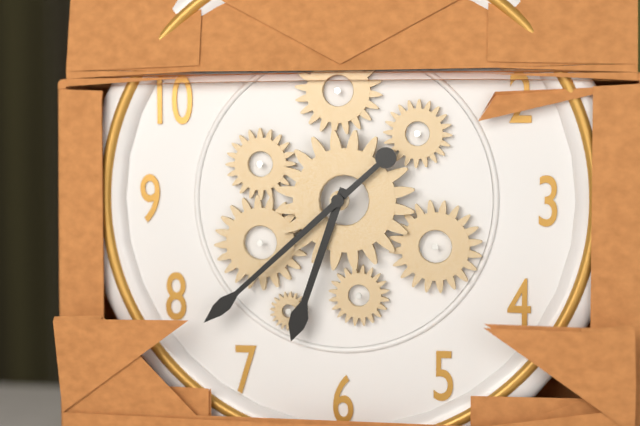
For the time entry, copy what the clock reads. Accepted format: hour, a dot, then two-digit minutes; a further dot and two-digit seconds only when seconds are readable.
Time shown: 6.38
